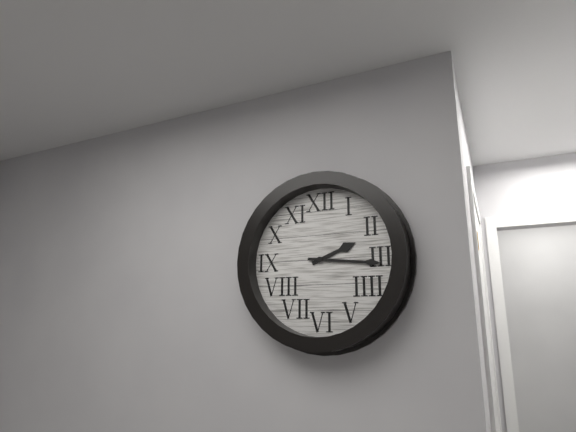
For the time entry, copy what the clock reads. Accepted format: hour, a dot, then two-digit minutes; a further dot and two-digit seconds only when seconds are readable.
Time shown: 2.16
